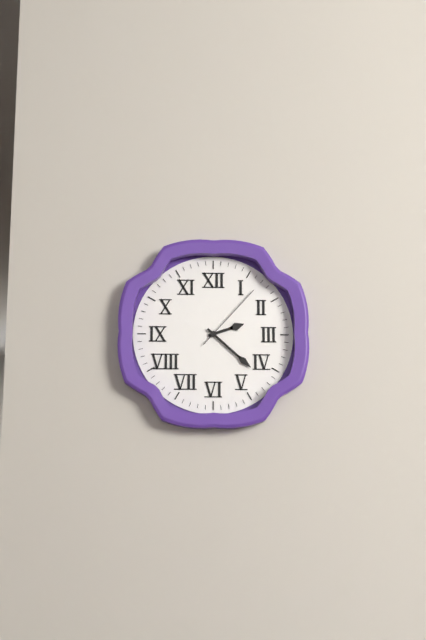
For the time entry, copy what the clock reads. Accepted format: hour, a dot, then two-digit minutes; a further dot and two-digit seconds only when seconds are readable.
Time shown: 2.22.07
